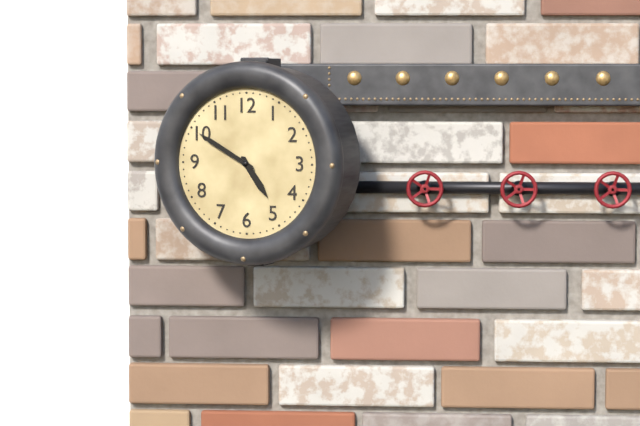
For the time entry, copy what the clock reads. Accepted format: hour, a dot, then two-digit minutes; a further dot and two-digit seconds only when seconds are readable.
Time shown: 4.50
